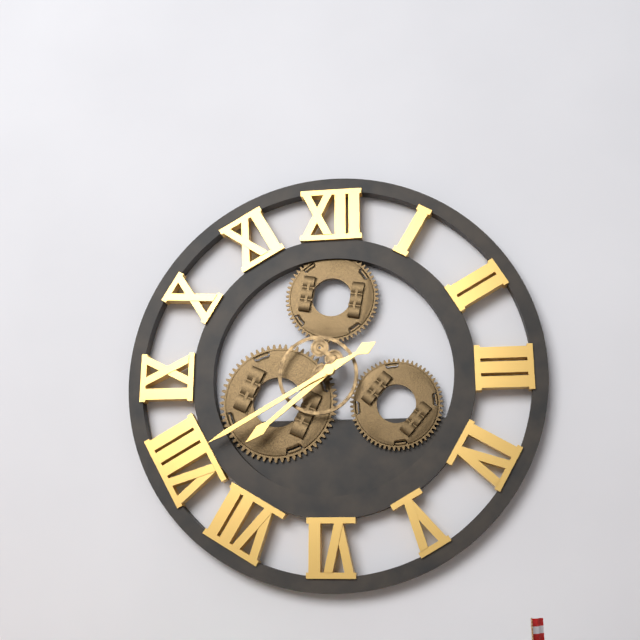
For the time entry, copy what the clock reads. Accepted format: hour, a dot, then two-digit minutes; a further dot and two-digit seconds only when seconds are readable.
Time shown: 7.40
